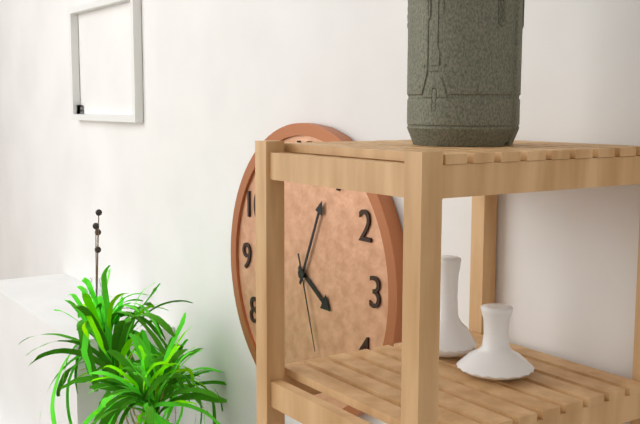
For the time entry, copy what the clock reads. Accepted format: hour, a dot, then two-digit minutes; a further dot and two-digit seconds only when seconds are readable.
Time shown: 4.04.27
